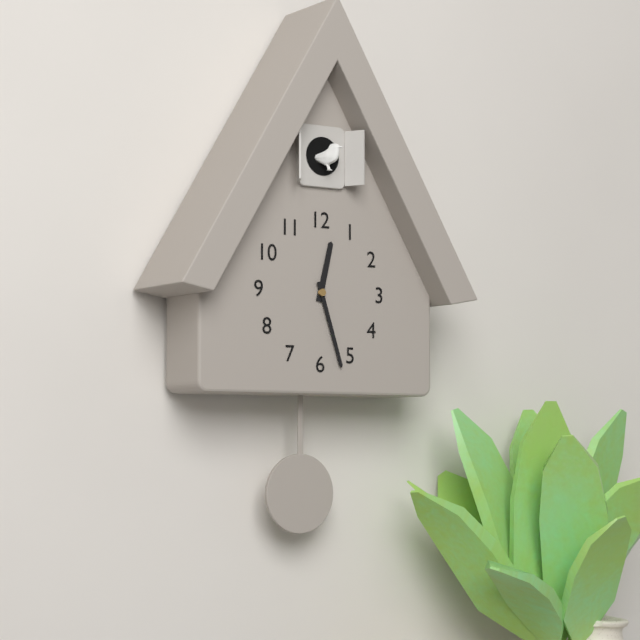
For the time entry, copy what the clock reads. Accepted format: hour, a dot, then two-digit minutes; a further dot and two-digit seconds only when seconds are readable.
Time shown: 12.27
